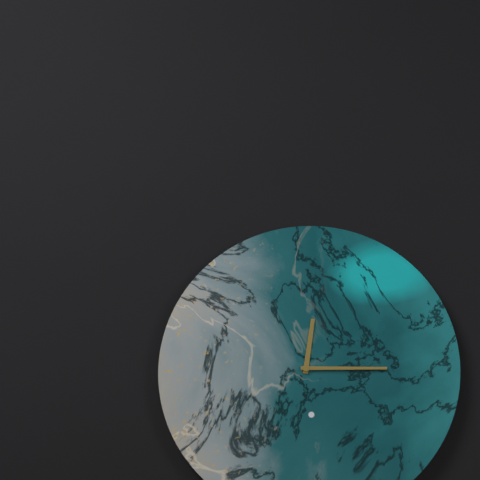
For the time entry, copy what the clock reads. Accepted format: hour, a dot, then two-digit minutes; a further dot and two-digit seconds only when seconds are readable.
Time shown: 12.15
